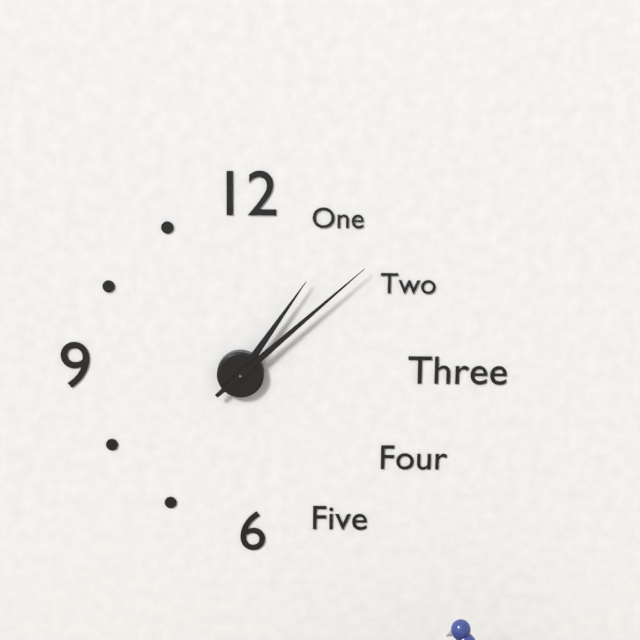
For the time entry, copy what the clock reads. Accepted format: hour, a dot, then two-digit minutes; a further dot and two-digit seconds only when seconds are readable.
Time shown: 1.08
